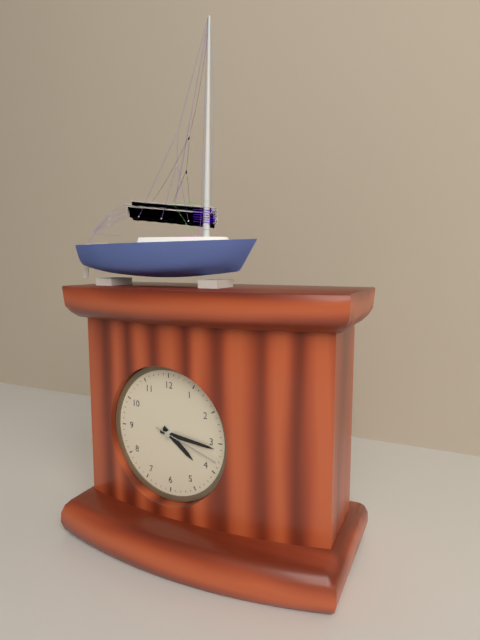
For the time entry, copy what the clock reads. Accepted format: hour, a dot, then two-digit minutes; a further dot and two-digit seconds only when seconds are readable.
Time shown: 4.16.18
